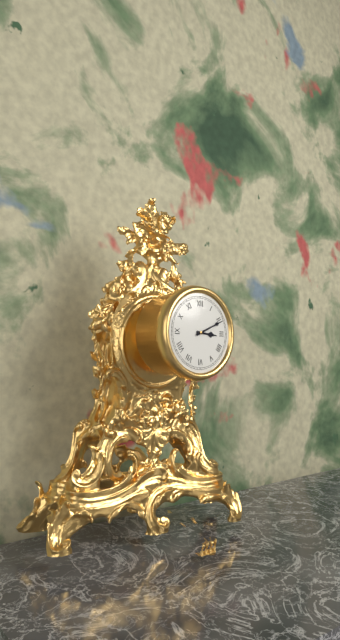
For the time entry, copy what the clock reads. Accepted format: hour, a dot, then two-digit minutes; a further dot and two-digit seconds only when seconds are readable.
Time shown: 3.11
